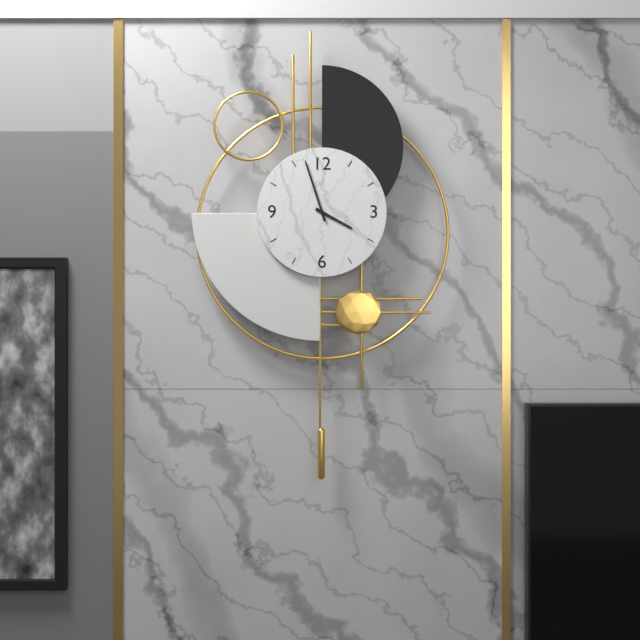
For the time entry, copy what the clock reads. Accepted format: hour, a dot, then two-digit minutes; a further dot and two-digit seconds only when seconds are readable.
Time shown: 3.57
